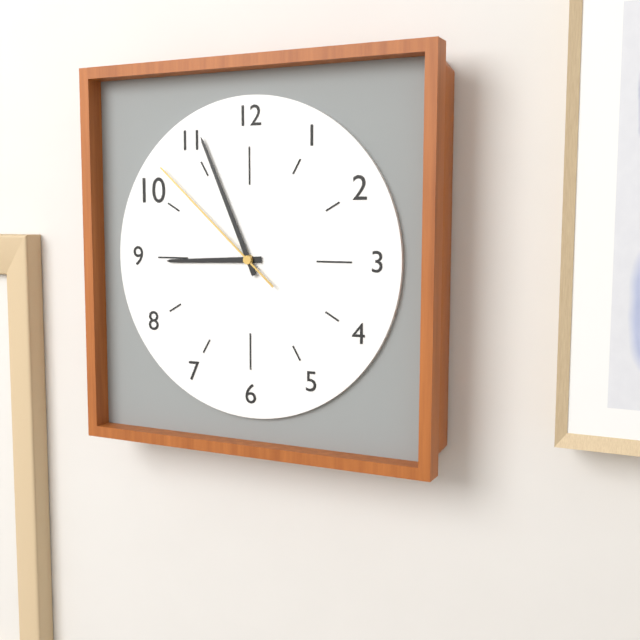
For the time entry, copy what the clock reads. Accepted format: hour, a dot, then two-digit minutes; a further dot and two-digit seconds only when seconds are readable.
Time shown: 8.56.52
